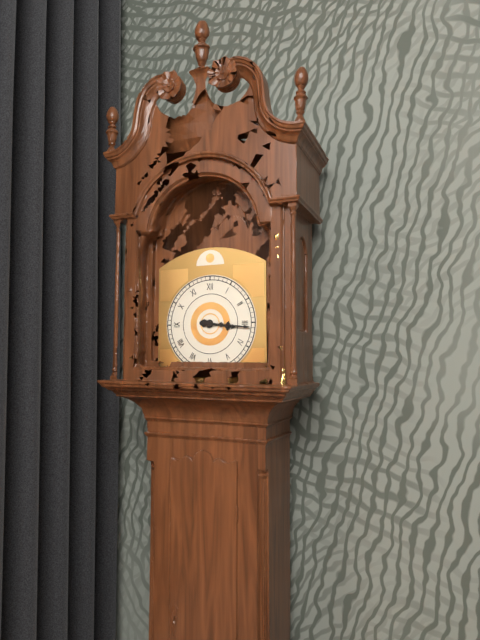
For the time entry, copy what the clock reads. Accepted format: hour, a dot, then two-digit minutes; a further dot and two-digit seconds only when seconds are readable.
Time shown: 3.16
